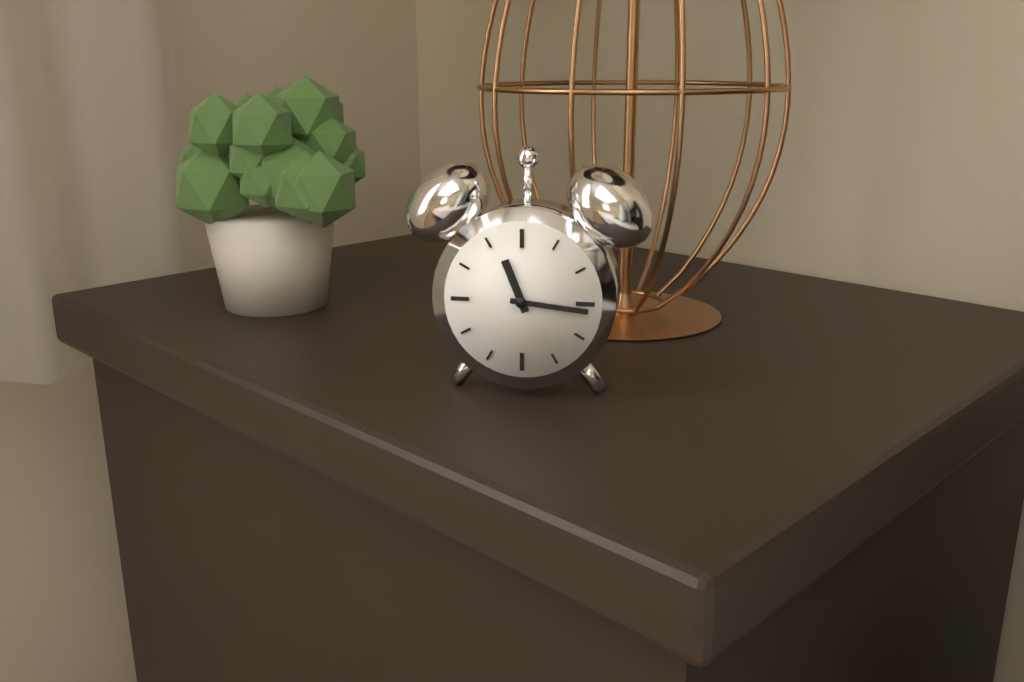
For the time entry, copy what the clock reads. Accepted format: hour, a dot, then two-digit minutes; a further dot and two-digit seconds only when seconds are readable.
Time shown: 11.16
